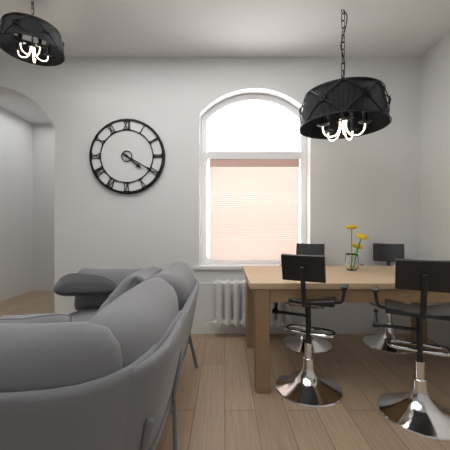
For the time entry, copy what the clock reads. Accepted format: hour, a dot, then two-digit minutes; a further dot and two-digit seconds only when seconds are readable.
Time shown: 4.20
